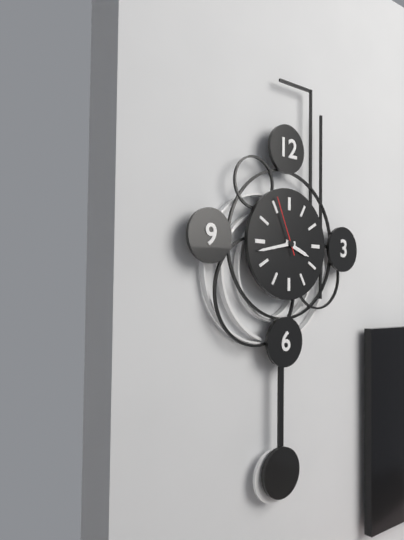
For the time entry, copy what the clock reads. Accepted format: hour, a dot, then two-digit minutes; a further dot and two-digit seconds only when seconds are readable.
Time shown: 3.43.56
